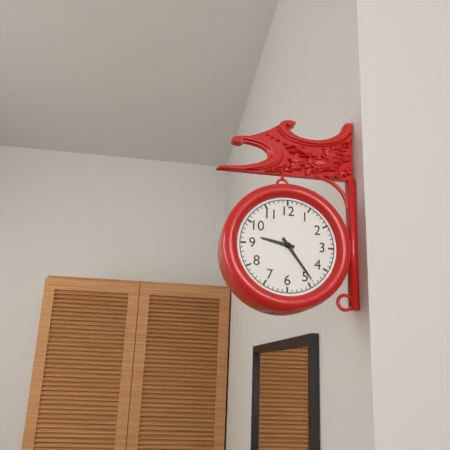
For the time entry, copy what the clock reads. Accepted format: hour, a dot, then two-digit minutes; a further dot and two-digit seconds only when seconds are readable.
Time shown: 9.24
